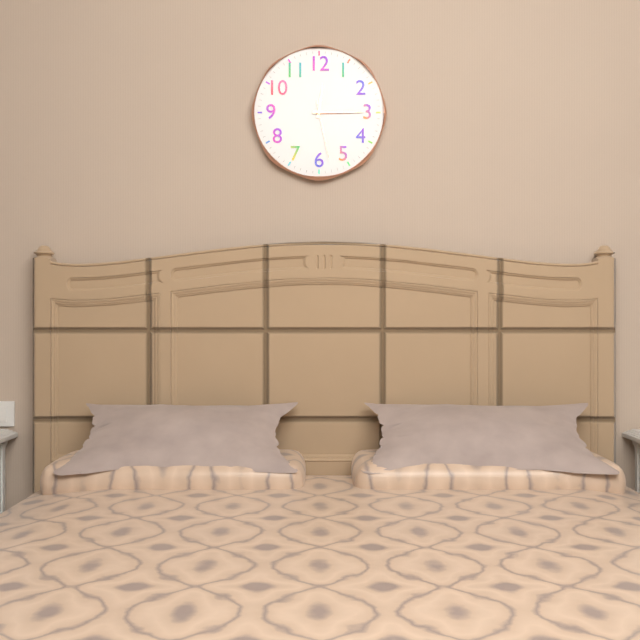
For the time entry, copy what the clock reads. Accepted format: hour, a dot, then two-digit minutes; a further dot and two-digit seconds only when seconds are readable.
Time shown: 12.15.28
